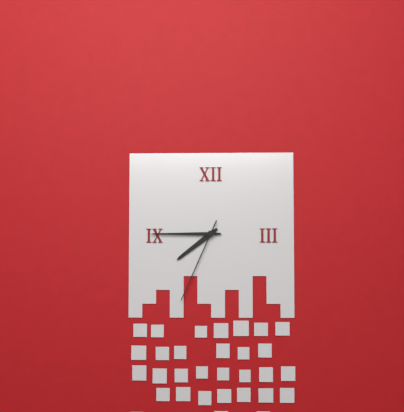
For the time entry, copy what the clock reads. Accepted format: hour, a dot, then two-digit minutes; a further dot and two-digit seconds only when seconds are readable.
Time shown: 7.45.34
